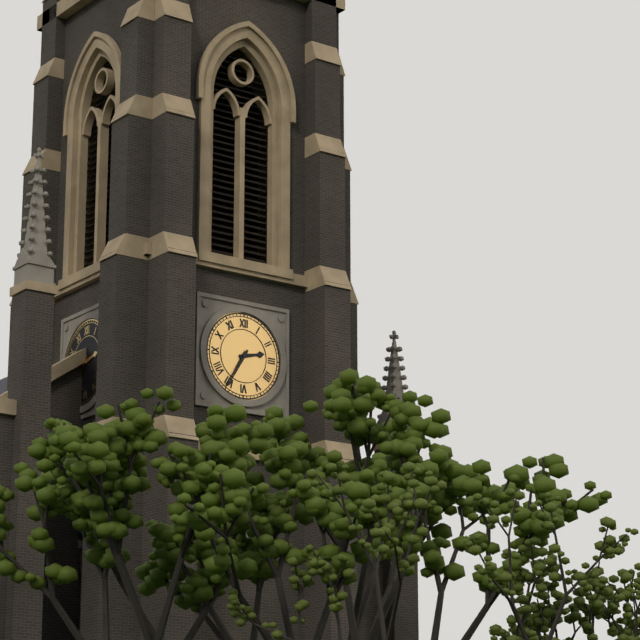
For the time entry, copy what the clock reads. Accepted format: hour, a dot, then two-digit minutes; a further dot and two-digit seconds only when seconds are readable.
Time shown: 2.35
